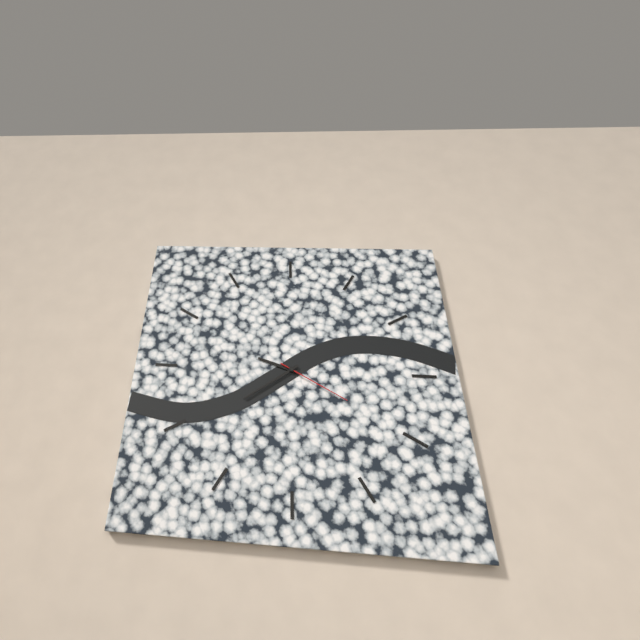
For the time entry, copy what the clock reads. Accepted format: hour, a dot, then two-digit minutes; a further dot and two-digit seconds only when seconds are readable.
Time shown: 9.39.20
